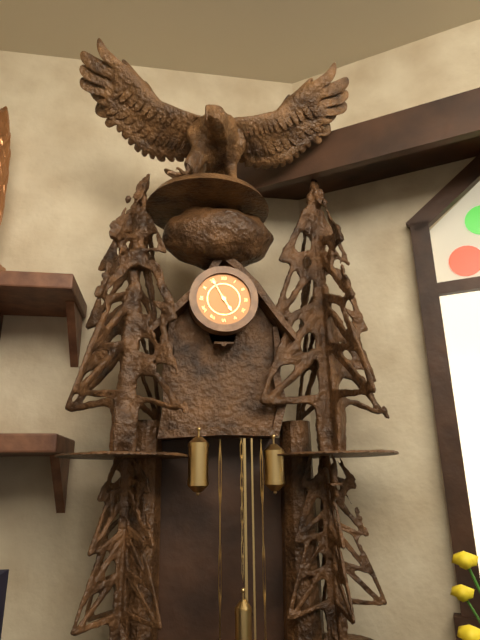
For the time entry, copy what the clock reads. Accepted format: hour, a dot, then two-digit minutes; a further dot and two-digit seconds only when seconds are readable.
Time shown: 4.55
